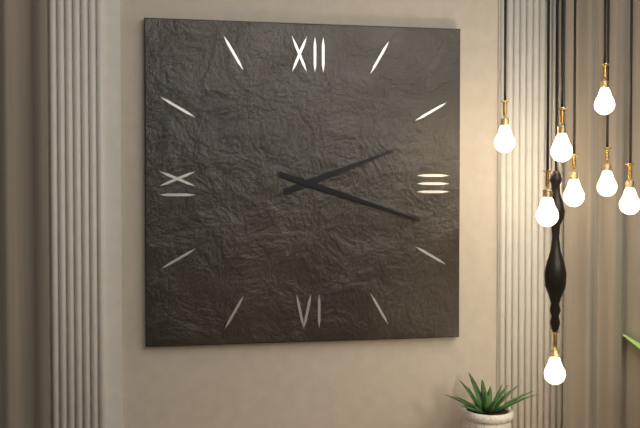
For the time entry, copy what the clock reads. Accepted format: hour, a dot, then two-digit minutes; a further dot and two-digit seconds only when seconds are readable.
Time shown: 2.18
